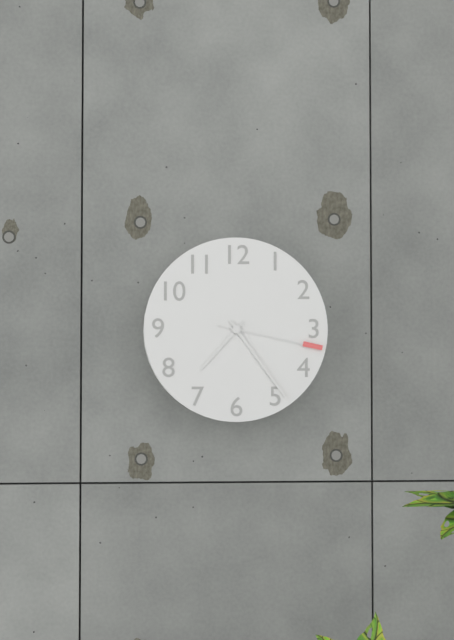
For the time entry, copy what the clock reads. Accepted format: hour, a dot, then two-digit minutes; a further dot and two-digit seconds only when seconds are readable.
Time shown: 7.24.17
